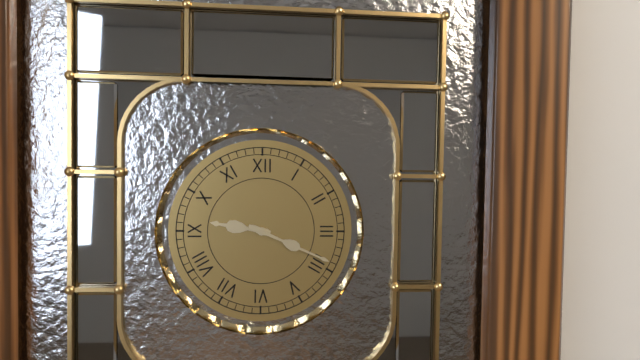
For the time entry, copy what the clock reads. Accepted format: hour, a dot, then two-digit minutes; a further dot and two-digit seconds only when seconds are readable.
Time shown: 9.19
